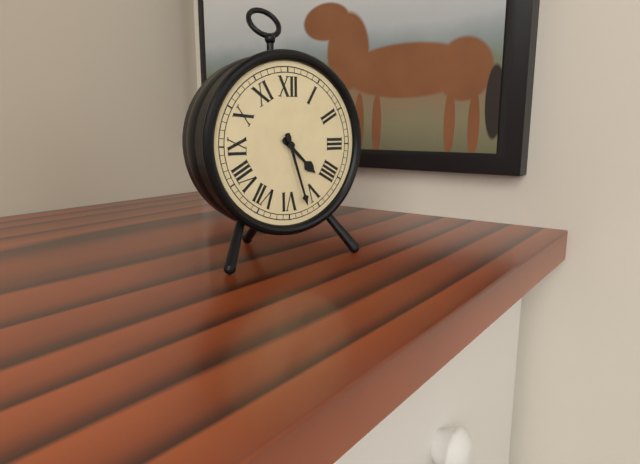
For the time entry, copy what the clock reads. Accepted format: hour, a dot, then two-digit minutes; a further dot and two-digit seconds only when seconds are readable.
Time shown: 4.27
